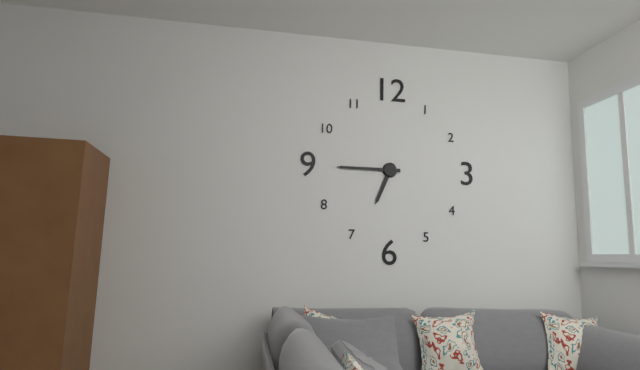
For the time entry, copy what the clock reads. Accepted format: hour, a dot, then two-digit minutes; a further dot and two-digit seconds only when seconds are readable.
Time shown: 6.45
